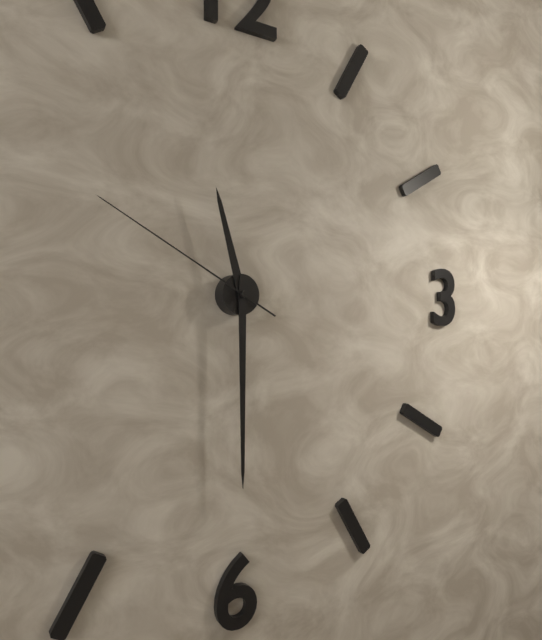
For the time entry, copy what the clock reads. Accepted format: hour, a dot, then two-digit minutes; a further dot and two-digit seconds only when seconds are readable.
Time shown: 11.30.50
